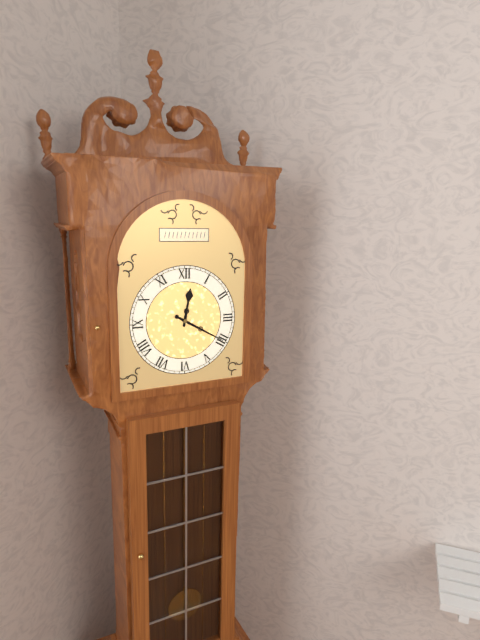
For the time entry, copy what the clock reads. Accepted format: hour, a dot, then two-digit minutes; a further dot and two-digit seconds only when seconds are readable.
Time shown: 12.20
